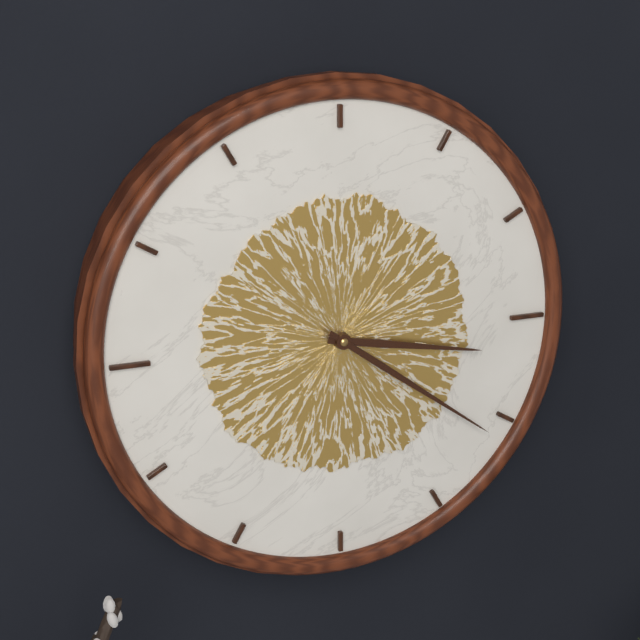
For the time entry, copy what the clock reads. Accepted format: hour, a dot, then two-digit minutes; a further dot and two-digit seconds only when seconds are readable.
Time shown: 3.21
